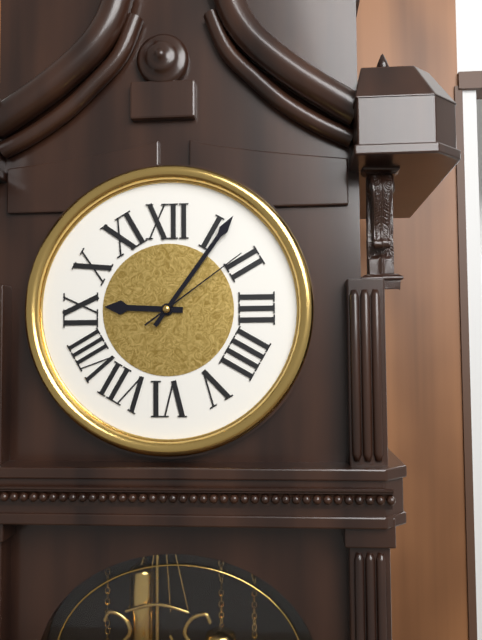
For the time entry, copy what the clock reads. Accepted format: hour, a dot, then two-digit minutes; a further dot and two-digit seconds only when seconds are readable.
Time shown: 9.06.09
